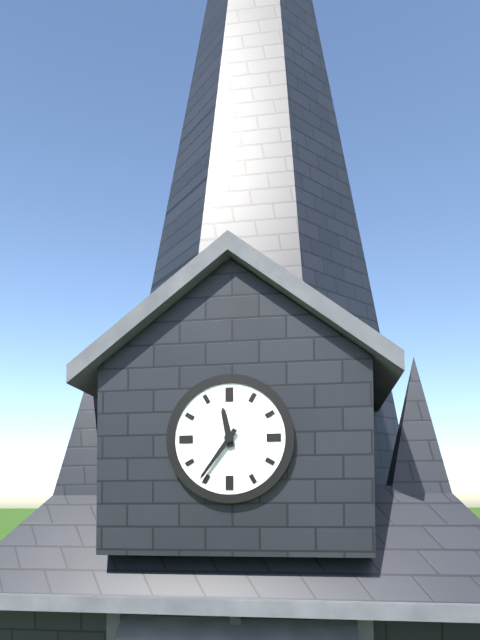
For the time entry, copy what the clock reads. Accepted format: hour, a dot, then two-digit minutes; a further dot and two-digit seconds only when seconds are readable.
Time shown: 11.36
